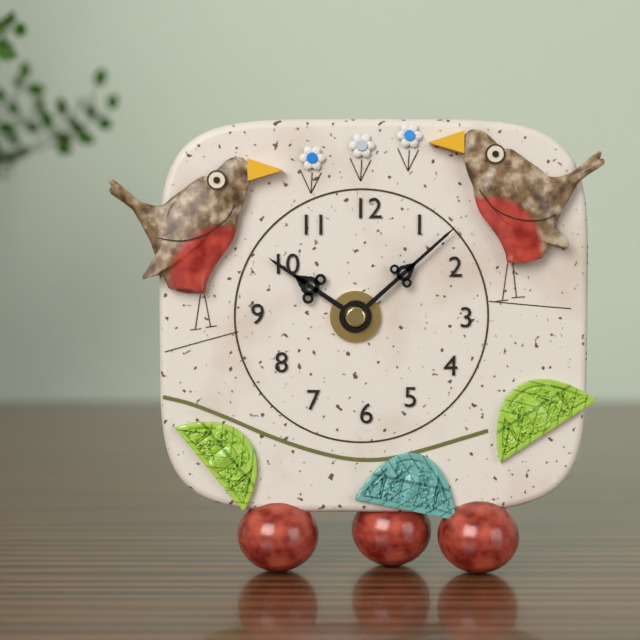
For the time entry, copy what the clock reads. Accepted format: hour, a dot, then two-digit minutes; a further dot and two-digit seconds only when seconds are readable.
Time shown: 10.08
